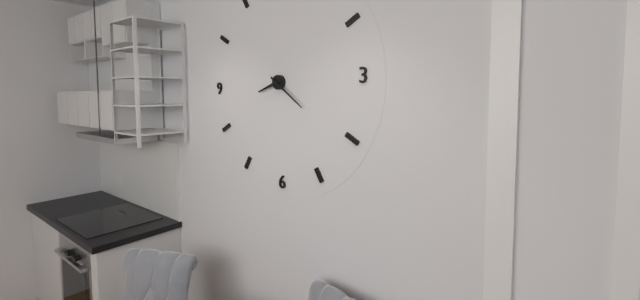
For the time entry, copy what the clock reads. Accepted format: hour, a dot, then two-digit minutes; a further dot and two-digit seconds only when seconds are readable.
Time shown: 8.21
